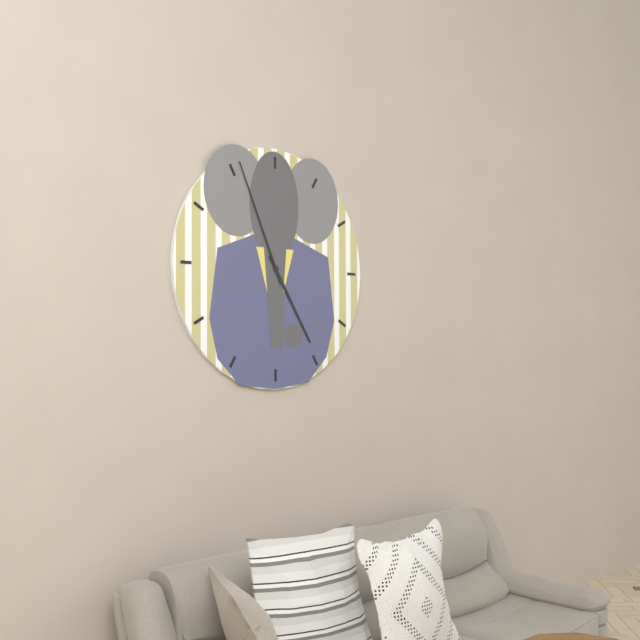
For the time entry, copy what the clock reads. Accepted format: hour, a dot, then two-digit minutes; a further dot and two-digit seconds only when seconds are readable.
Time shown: 4.56
